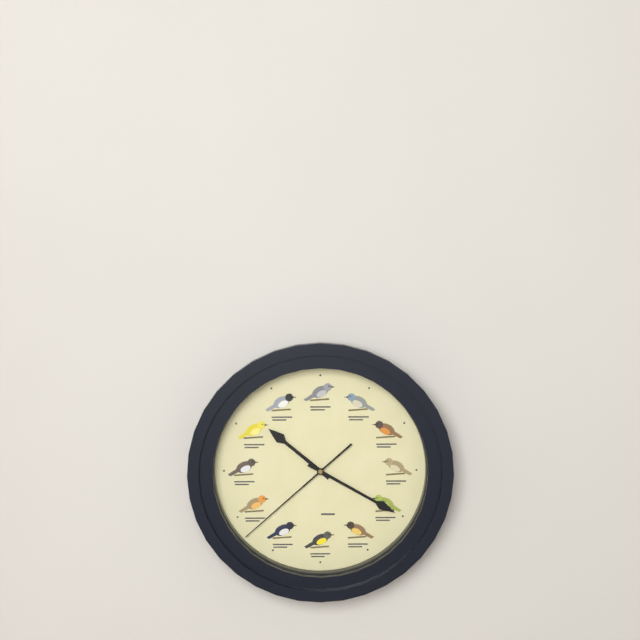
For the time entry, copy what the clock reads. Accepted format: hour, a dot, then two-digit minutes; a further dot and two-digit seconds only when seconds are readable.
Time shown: 10.20.38
